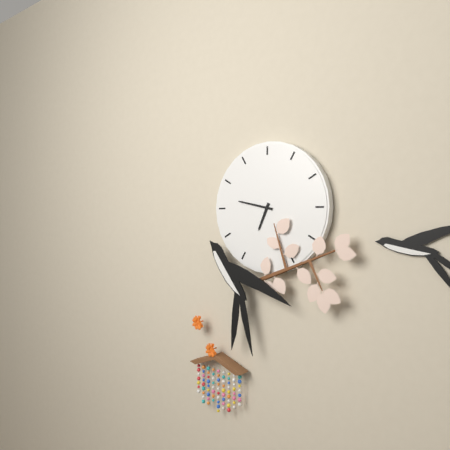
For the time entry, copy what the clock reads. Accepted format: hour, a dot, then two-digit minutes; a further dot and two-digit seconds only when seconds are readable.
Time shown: 6.47
